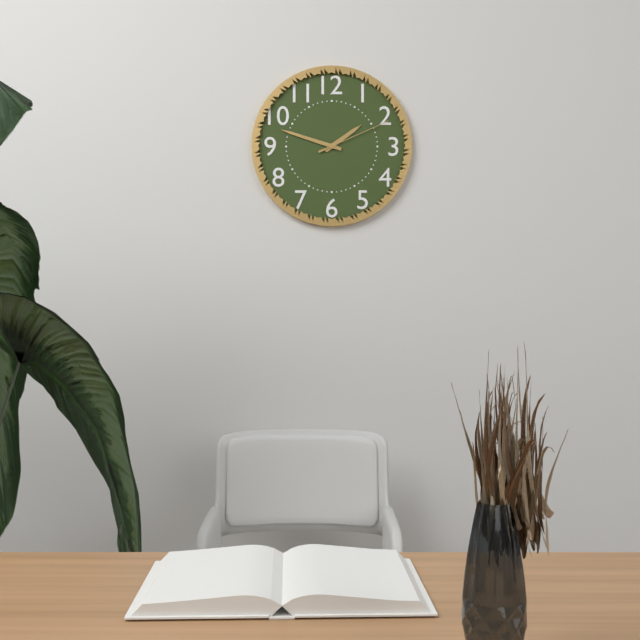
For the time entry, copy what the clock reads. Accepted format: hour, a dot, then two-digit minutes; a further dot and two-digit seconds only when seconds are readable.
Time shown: 1.48.11
